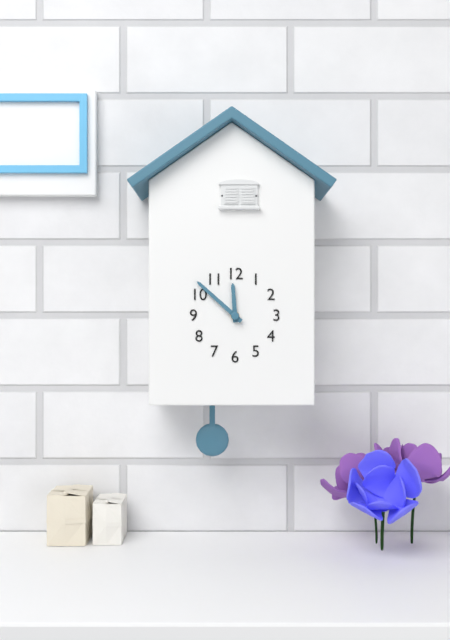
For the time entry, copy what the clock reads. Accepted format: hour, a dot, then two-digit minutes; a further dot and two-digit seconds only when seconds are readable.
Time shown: 11.52
